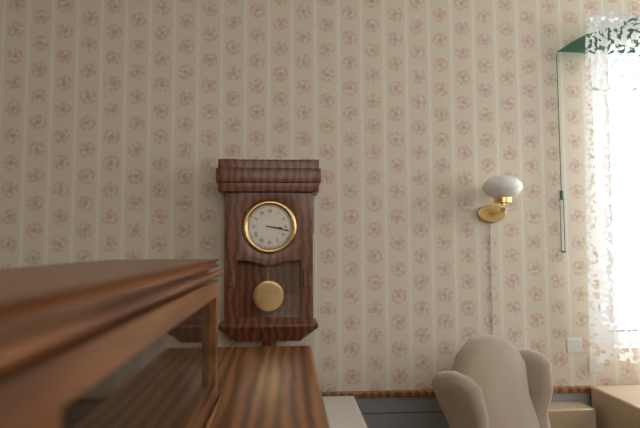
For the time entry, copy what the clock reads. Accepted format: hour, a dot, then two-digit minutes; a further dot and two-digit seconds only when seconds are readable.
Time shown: 3.17
